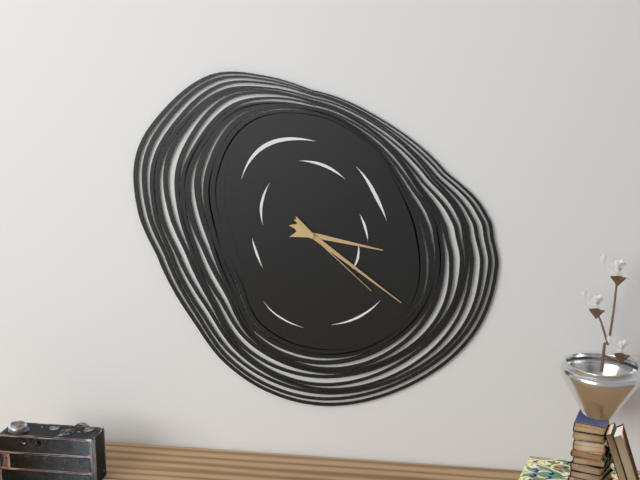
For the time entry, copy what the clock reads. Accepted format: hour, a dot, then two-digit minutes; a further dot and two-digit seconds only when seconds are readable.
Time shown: 3.21.22
